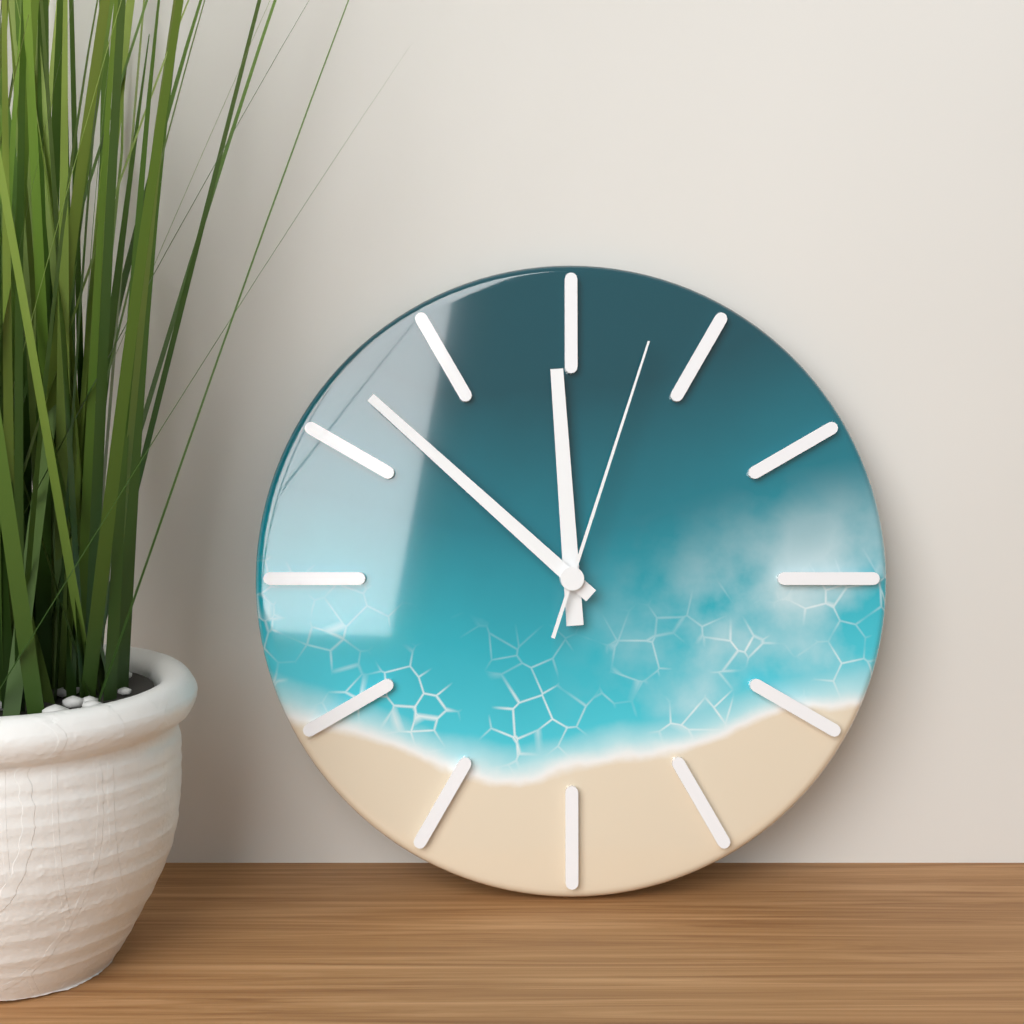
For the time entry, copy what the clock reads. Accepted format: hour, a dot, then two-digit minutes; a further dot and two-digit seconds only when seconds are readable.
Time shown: 11.52.03
